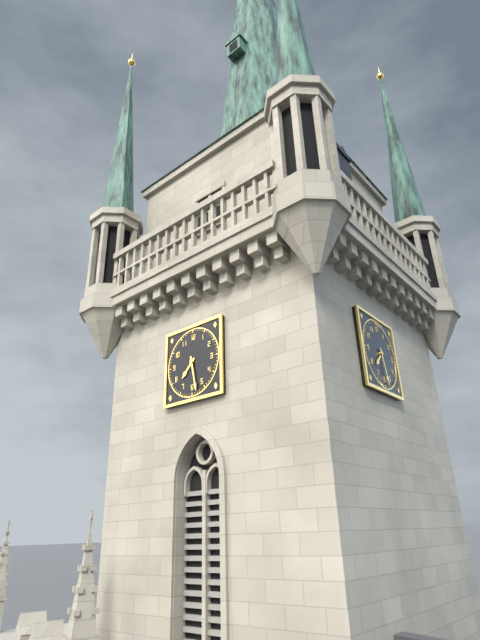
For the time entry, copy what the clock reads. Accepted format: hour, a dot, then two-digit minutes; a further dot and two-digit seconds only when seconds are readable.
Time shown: 7.28
